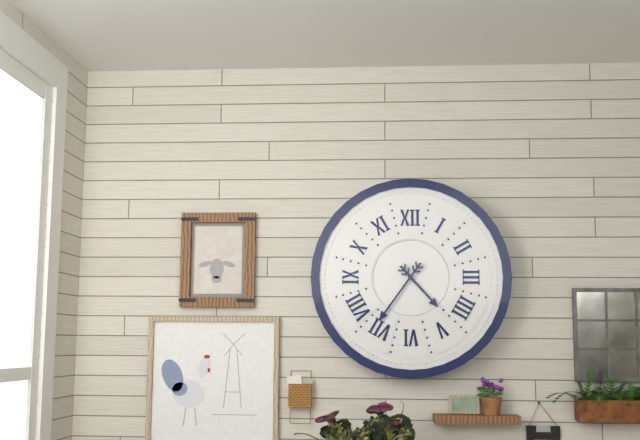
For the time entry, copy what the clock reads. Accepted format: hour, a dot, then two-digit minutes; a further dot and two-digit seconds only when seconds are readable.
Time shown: 4.36
